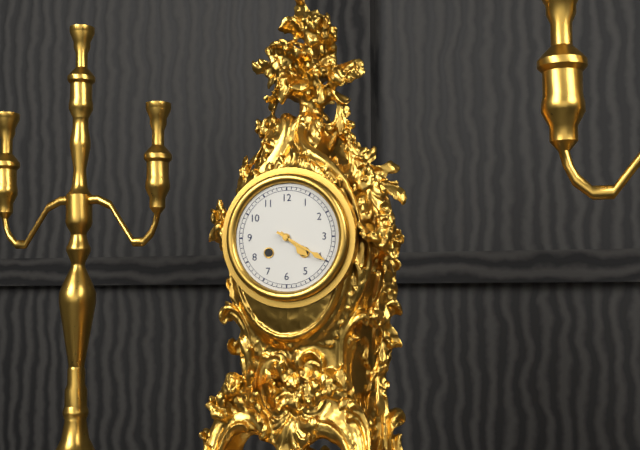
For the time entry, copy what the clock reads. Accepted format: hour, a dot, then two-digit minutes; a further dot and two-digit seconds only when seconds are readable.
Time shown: 4.20
